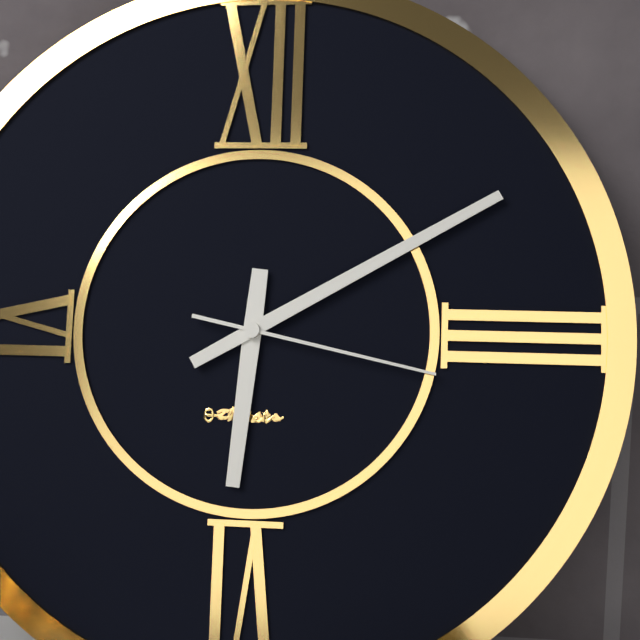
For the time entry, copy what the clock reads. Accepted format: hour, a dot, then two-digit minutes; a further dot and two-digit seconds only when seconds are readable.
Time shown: 6.10.17
